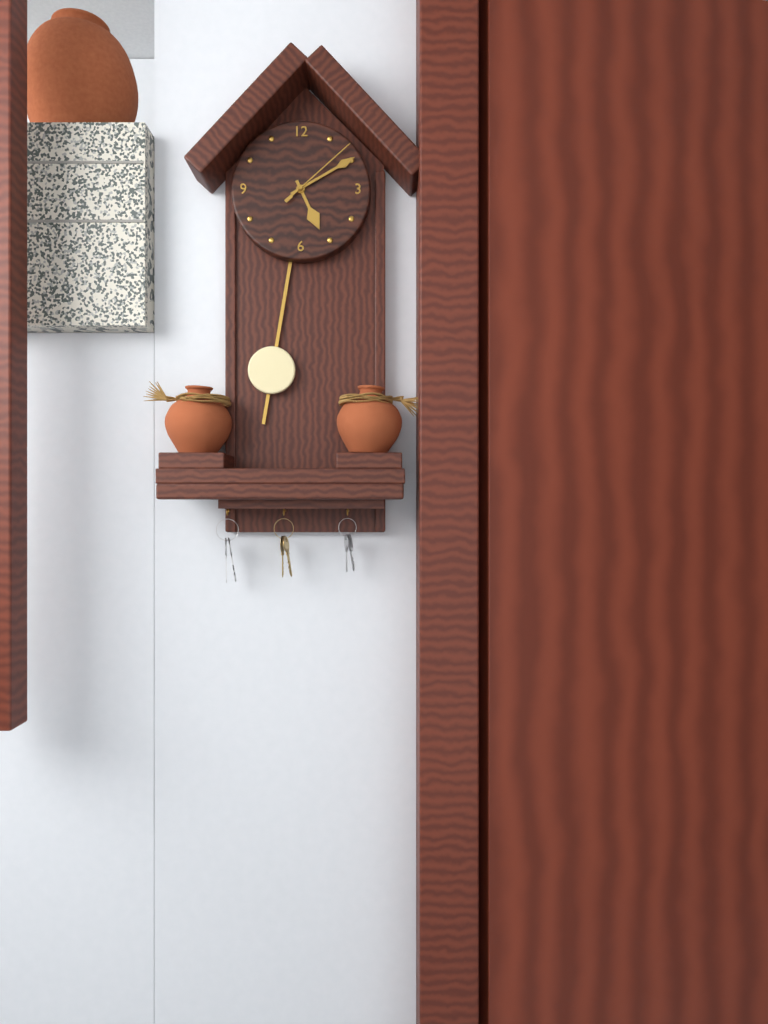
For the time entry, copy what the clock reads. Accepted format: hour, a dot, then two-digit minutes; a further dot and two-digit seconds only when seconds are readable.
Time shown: 5.10.08
